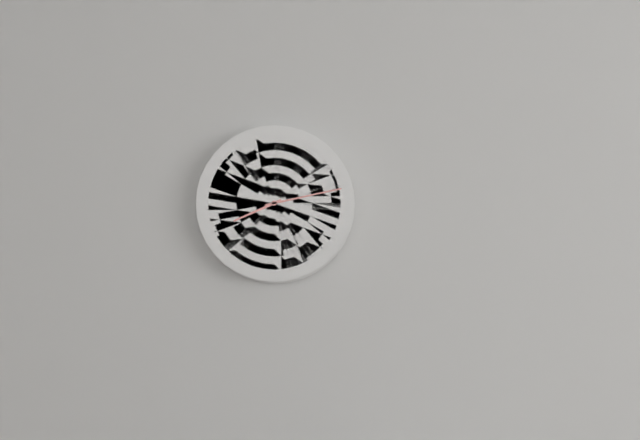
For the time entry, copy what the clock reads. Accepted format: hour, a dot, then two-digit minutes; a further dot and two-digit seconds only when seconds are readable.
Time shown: 8.13
